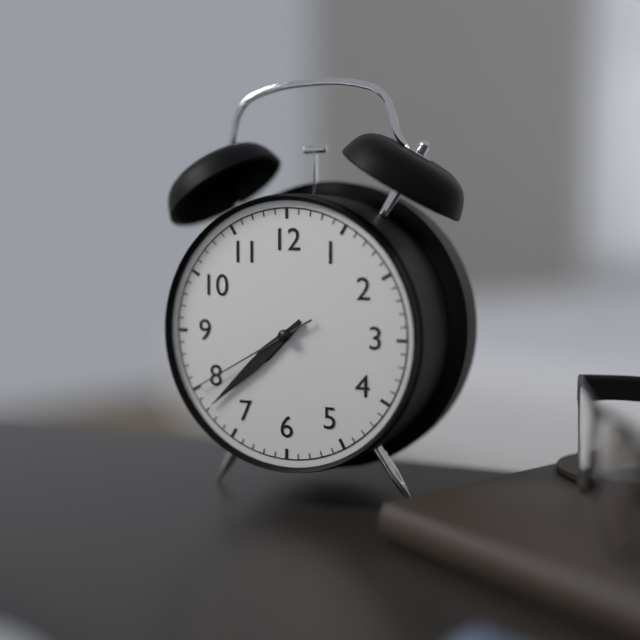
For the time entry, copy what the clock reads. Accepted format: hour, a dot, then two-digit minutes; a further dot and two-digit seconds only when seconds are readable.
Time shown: 7.38.40
